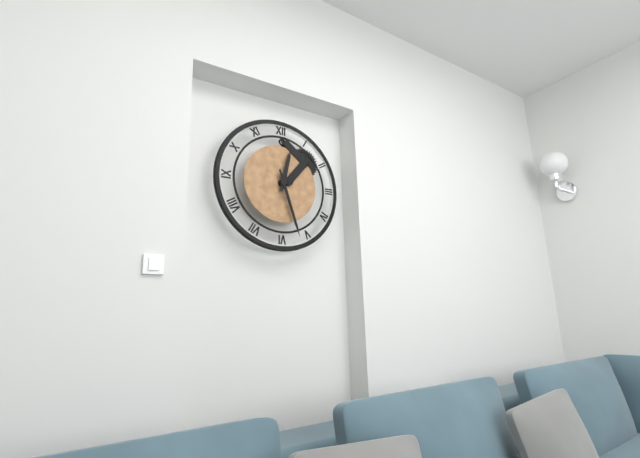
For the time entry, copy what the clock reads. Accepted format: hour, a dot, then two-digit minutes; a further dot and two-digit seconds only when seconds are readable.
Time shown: 12.27
